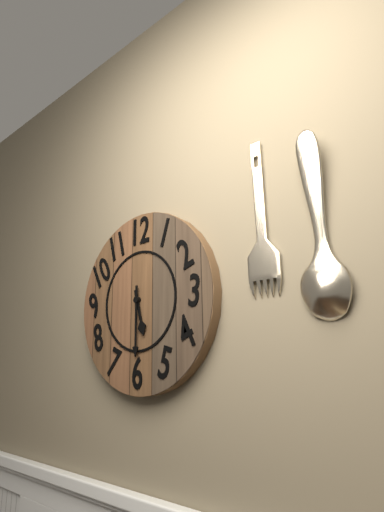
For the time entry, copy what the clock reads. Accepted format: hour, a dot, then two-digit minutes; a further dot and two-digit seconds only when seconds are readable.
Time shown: 5.30
